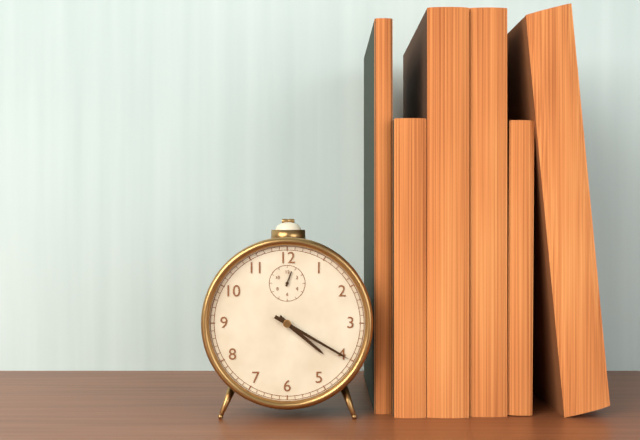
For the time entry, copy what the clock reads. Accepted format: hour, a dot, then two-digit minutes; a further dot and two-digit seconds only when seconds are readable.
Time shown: 4.20
